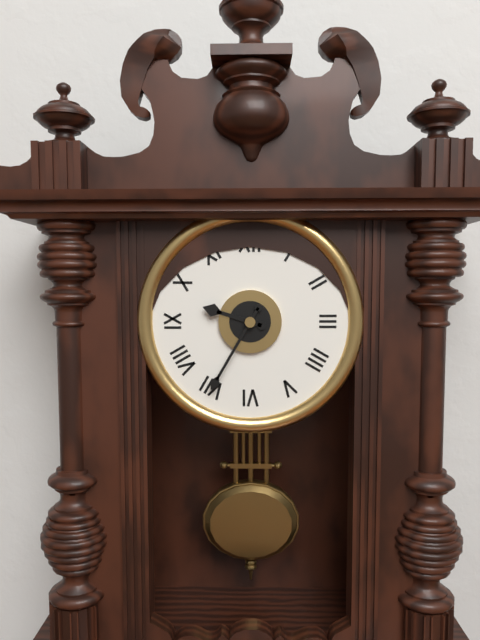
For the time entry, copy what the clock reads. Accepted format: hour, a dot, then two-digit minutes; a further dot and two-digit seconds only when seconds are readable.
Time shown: 9.35
